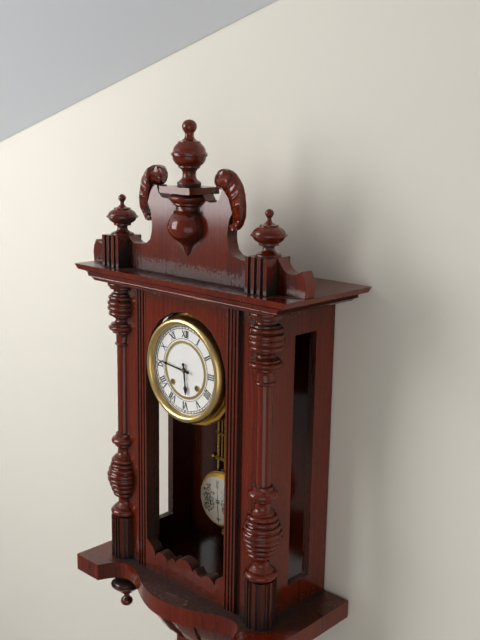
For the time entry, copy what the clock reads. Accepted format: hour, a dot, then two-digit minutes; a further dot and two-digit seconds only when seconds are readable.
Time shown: 5.46
